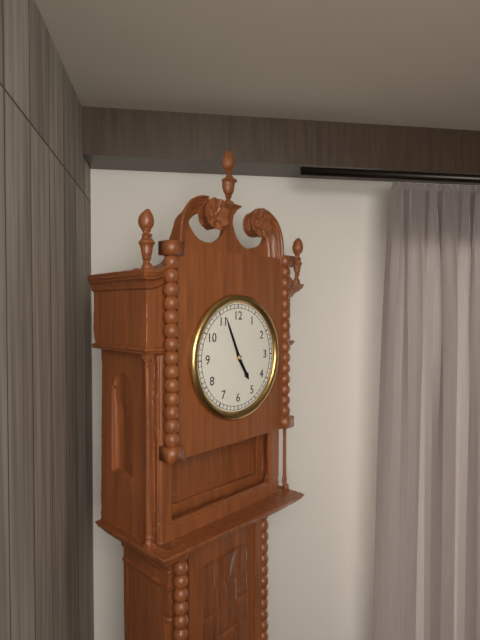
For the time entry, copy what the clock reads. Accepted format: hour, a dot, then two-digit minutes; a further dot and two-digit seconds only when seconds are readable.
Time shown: 4.56
